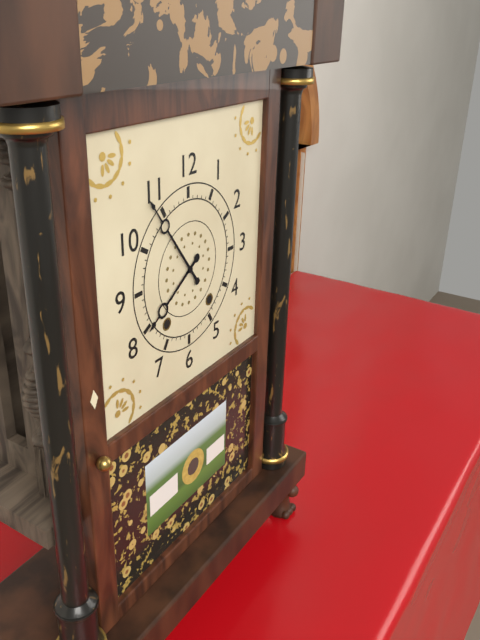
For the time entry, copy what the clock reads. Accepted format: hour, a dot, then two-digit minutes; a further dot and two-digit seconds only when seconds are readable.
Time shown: 7.54
